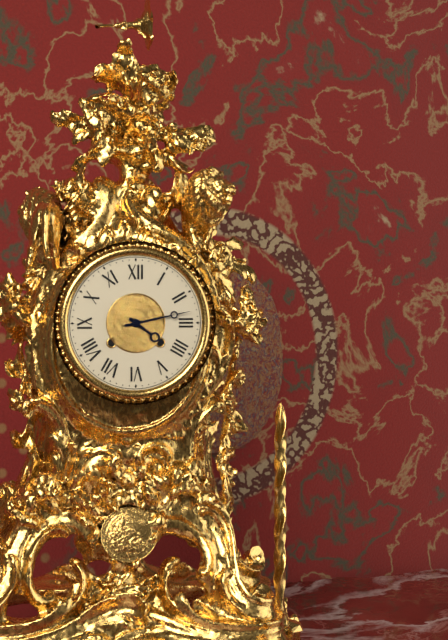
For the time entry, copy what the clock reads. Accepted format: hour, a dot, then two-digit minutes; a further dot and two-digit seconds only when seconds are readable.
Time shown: 4.13
